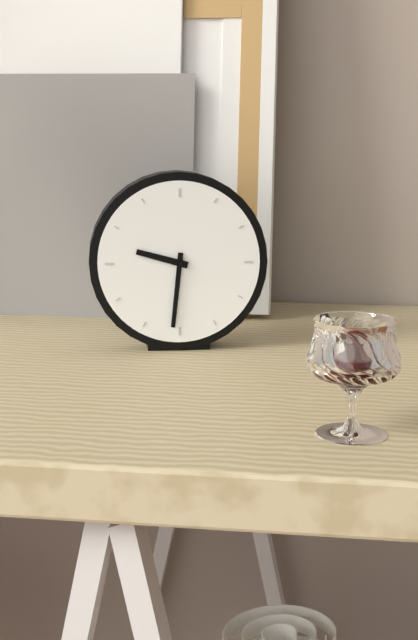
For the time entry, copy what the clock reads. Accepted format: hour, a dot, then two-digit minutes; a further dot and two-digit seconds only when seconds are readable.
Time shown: 9.31
